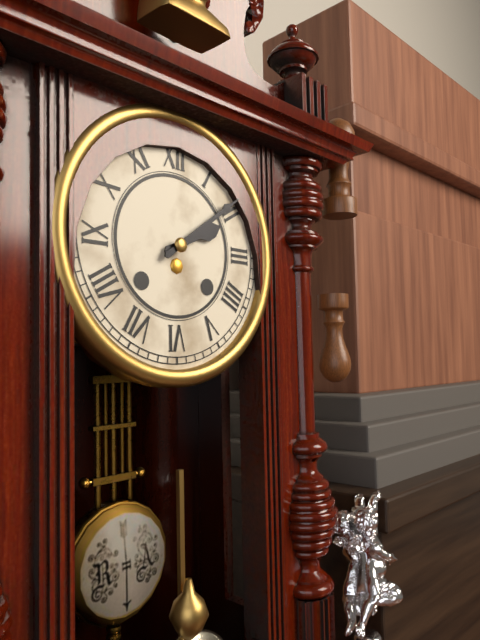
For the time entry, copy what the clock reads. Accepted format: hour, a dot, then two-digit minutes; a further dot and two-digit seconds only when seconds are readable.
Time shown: 2.09
